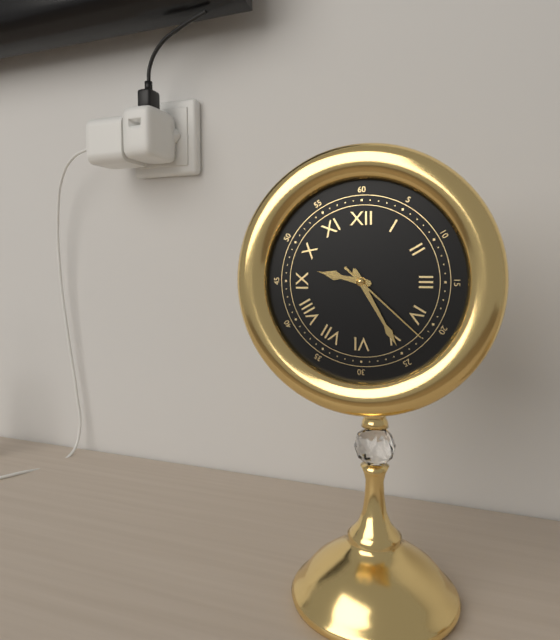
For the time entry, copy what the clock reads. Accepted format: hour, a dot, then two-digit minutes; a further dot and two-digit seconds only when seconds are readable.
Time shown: 9.25.22
